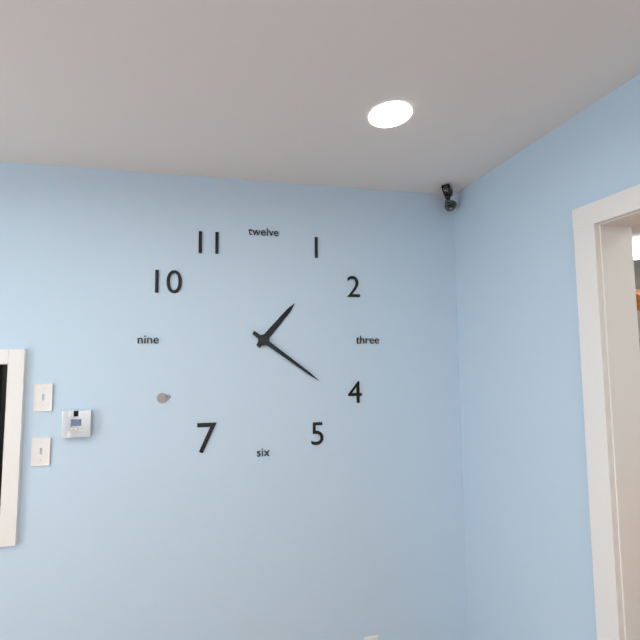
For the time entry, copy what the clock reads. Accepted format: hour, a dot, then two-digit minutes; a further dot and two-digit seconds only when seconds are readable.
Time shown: 1.21
